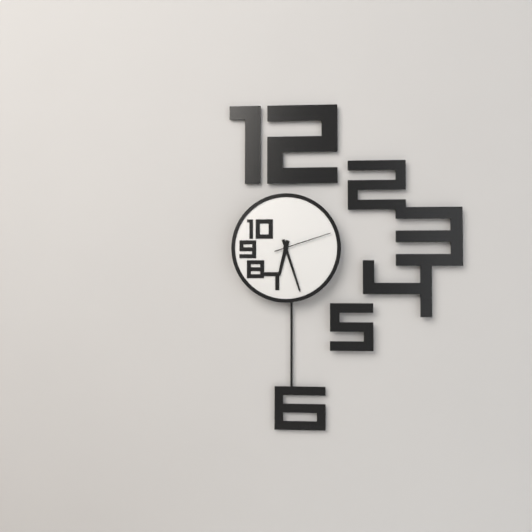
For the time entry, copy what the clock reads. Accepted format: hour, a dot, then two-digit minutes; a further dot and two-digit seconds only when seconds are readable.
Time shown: 6.27.12
